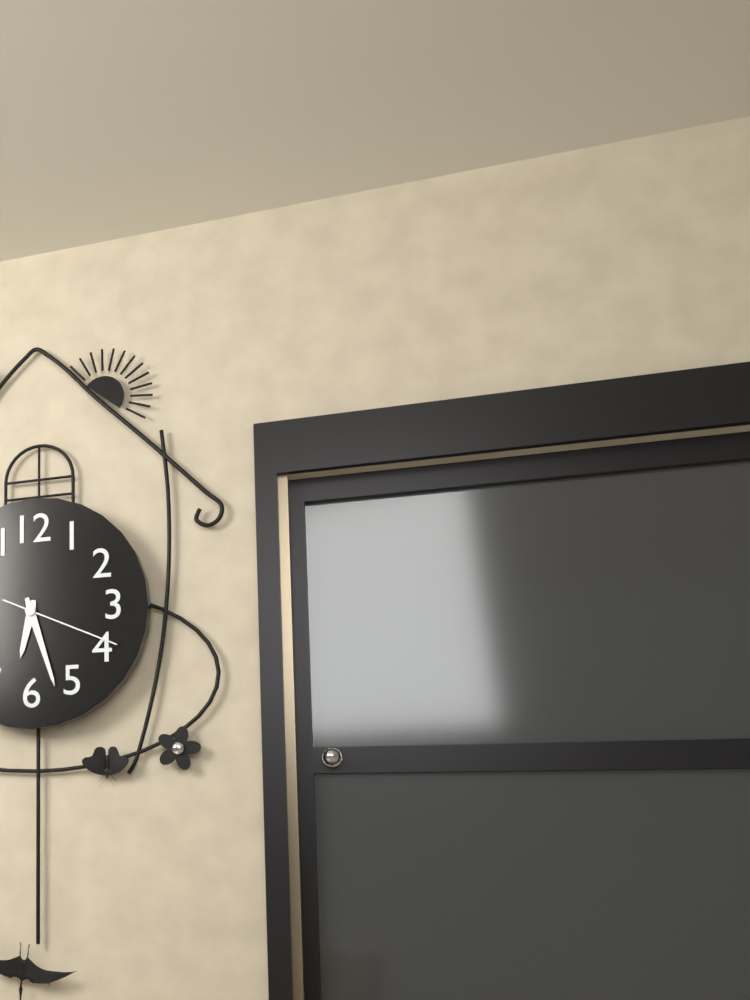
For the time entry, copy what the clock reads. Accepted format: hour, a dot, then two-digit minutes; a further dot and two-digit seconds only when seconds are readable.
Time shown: 6.27.19
